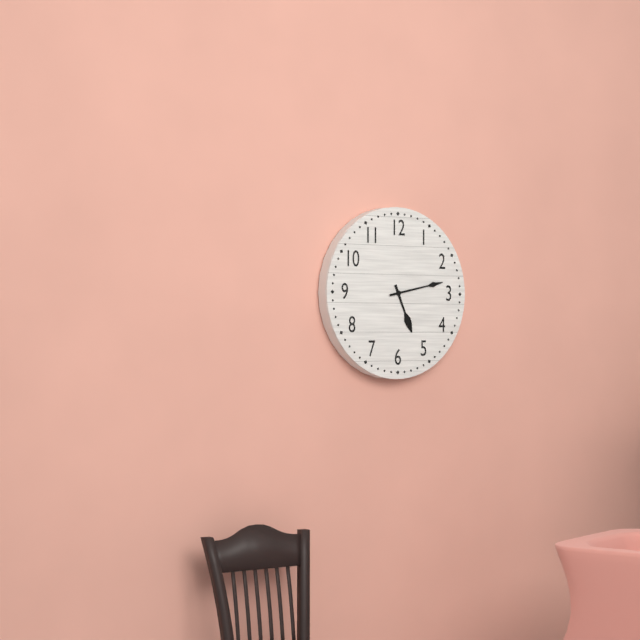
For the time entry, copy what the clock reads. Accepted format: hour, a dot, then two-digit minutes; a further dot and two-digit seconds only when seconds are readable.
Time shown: 5.13
